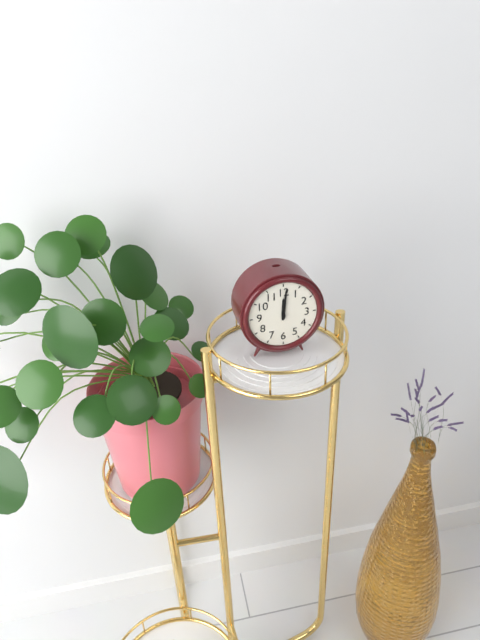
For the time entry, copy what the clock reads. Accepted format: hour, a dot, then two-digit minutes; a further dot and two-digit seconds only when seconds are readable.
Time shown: 12.01
